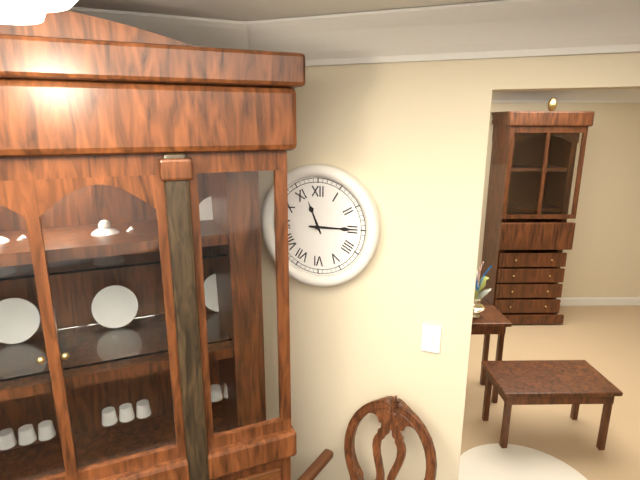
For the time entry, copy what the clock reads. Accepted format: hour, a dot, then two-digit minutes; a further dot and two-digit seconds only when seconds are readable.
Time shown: 11.15
